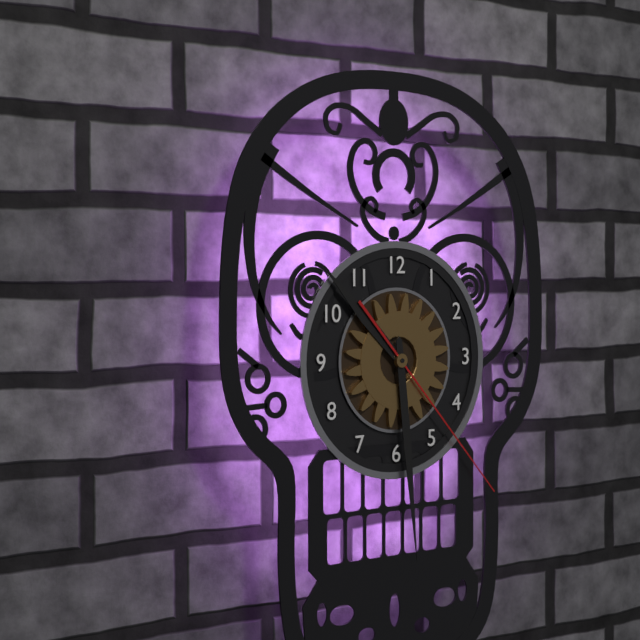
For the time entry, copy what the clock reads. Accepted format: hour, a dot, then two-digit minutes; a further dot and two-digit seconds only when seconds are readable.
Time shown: 10.29.23
